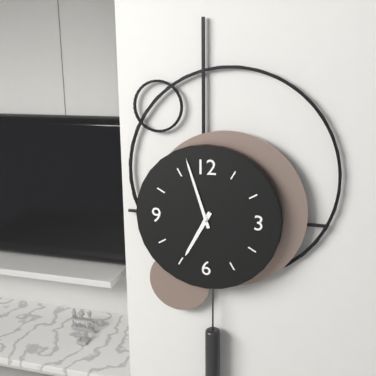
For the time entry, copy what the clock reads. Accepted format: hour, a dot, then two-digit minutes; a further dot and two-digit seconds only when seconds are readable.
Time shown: 6.57
